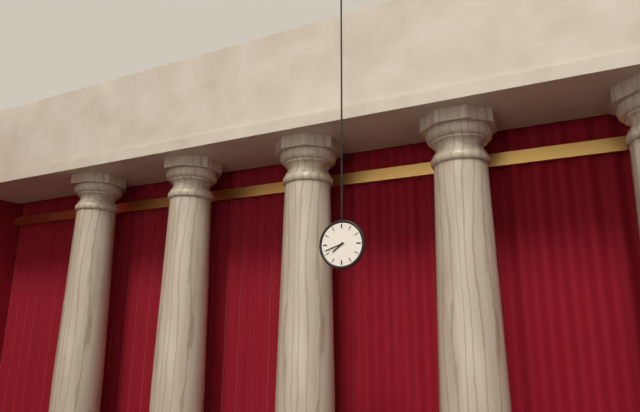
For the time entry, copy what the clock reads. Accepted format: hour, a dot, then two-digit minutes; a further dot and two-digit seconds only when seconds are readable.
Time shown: 7.42
